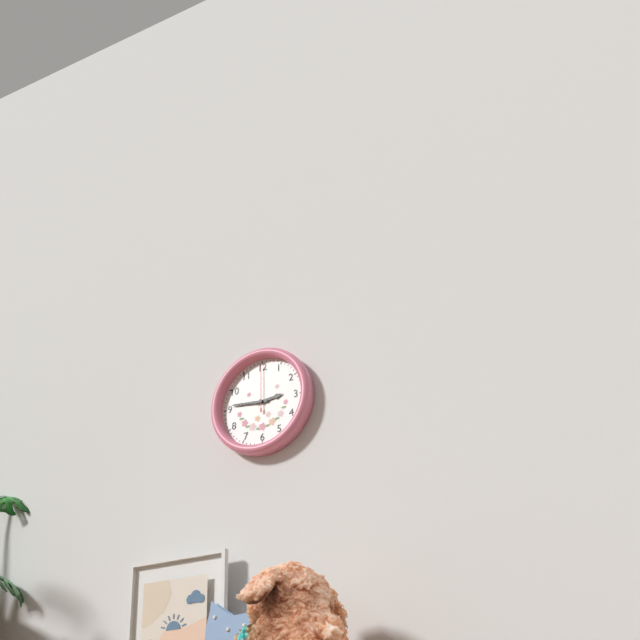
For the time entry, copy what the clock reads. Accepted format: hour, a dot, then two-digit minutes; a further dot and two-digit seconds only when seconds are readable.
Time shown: 2.46
